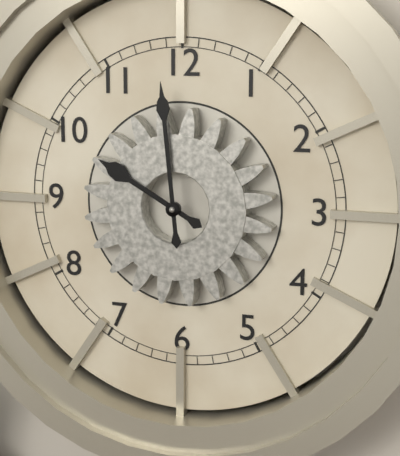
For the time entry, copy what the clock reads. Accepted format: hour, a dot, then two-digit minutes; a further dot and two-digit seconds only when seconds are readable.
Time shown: 9.59
